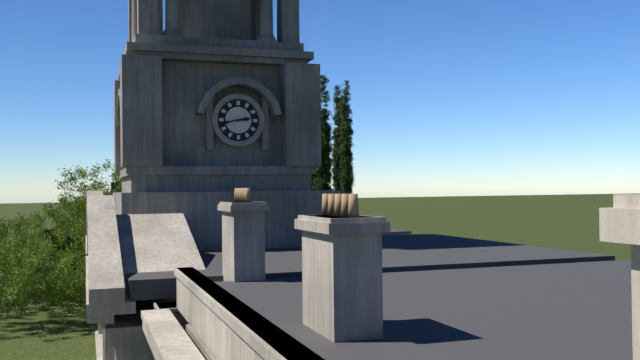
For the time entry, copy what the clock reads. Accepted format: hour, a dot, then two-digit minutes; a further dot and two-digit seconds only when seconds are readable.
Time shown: 2.43
